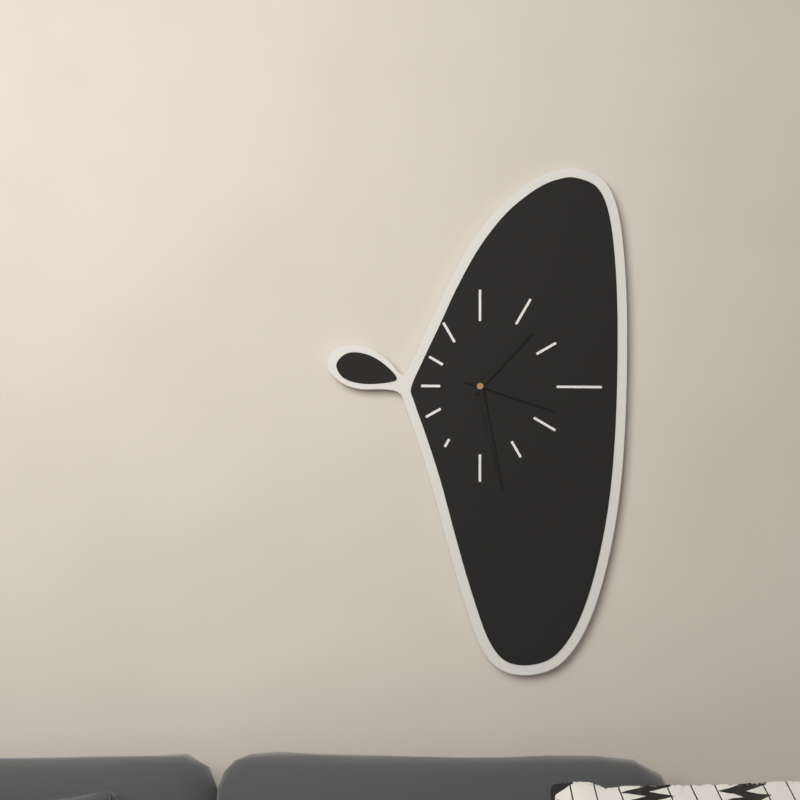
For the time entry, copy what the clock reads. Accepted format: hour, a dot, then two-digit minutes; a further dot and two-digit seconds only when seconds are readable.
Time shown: 1.28.18
